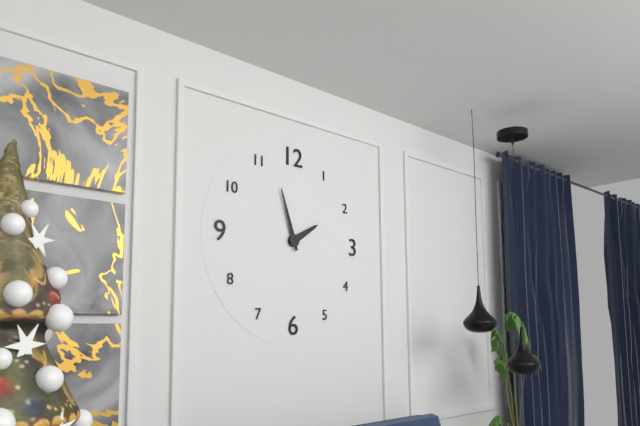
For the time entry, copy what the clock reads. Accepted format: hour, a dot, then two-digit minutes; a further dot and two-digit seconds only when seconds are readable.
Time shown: 1.57
